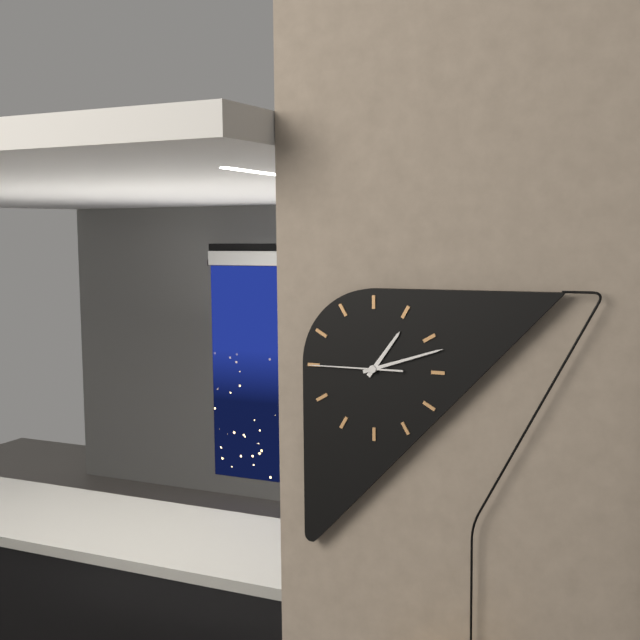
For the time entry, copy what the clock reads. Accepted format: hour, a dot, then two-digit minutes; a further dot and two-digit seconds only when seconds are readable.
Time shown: 1.12.45
